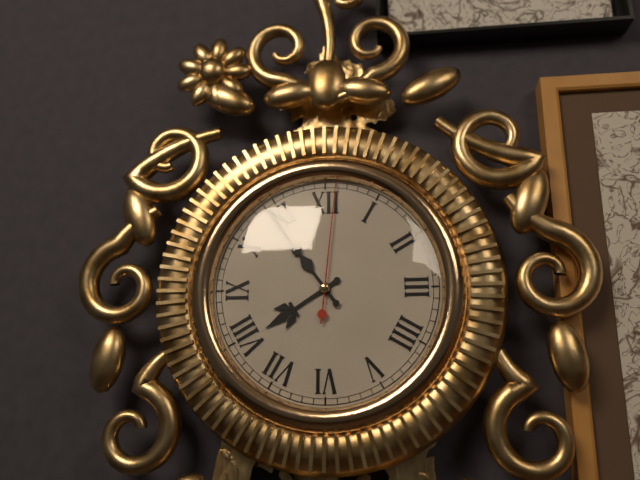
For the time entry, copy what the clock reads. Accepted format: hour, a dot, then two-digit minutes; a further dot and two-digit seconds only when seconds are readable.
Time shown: 7.54.01
